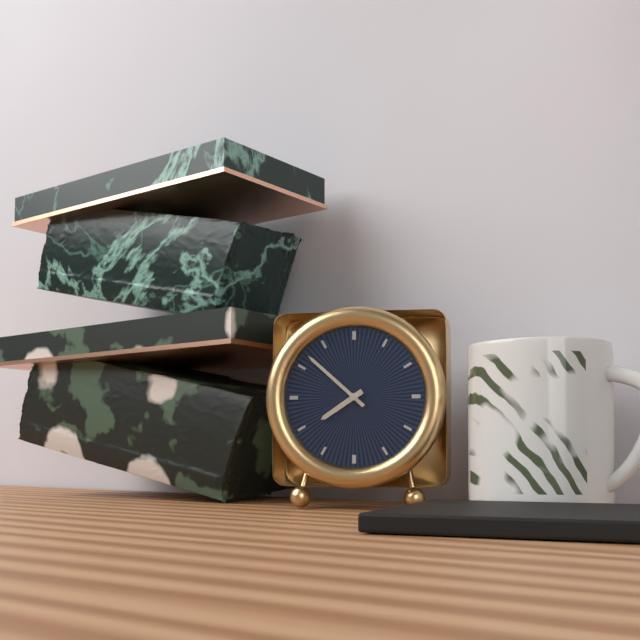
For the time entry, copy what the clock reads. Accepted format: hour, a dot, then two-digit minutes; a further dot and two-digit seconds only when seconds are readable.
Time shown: 7.52
